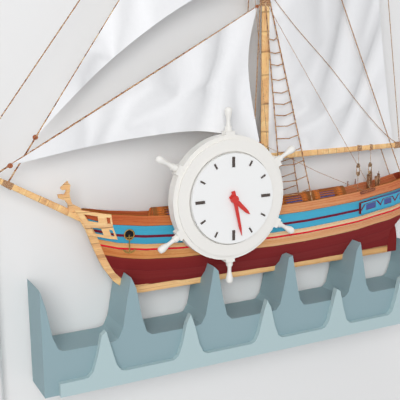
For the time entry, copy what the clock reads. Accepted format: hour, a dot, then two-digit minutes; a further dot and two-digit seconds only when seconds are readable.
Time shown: 4.28
